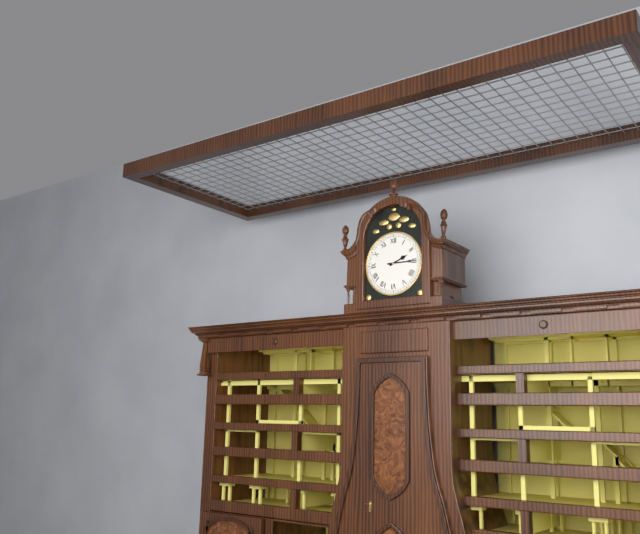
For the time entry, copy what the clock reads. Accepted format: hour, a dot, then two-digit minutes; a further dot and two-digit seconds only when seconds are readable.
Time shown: 2.15
